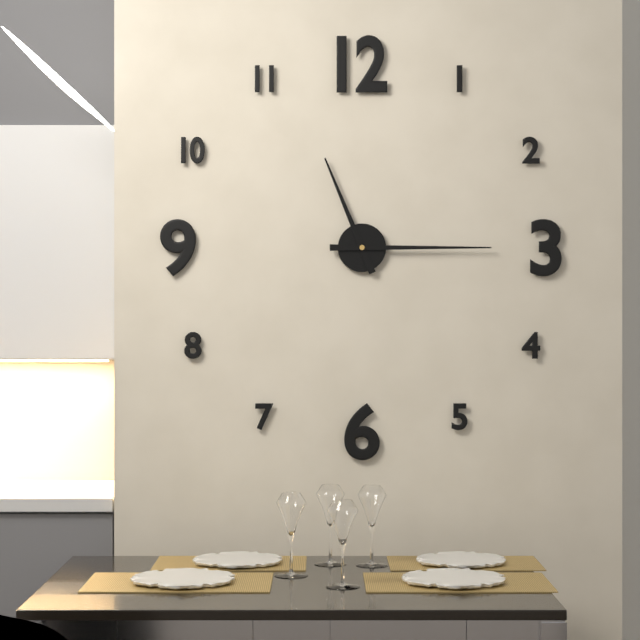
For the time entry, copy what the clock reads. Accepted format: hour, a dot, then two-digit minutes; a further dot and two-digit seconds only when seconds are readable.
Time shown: 11.15
